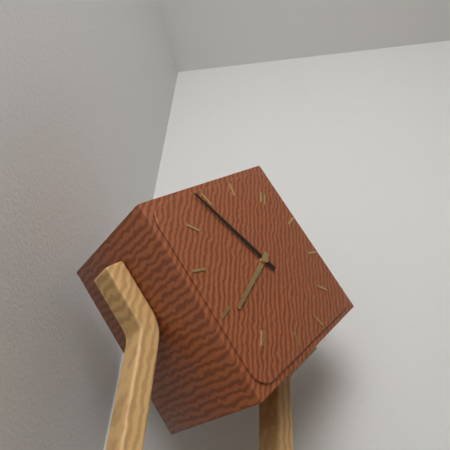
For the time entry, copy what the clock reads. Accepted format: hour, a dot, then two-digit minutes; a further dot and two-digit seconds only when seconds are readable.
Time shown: 6.49
